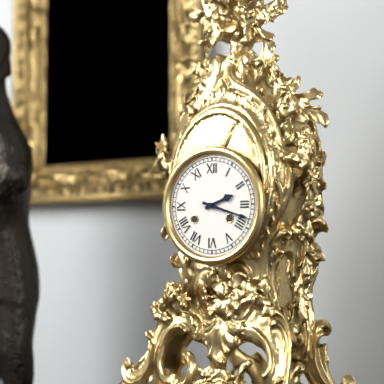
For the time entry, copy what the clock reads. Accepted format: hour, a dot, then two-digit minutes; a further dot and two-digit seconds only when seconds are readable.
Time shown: 2.18
